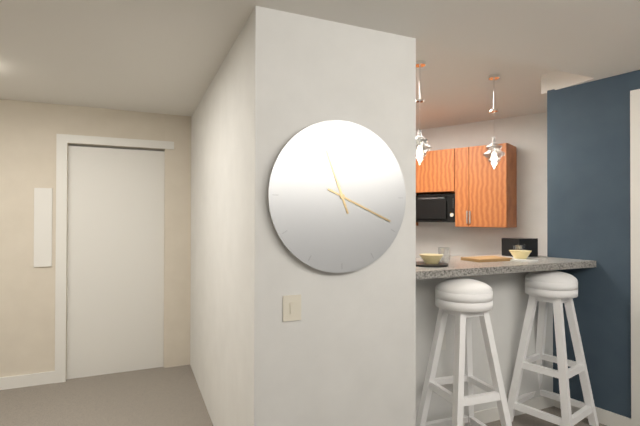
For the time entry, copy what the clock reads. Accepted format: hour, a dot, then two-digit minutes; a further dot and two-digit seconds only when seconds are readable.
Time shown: 11.19
